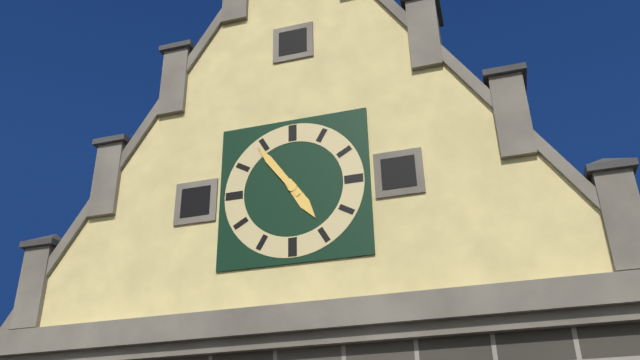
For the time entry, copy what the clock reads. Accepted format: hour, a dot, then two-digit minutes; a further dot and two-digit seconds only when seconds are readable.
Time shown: 4.54
